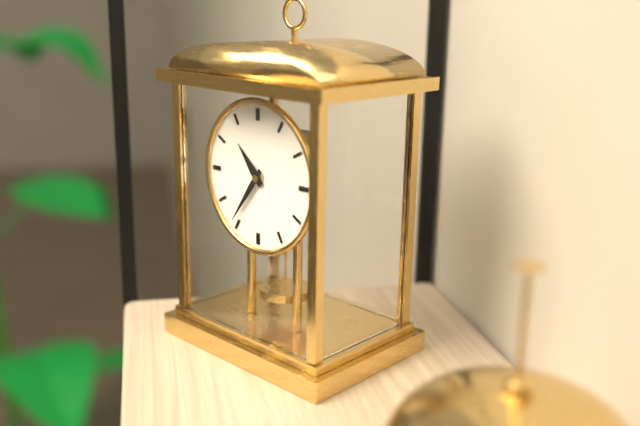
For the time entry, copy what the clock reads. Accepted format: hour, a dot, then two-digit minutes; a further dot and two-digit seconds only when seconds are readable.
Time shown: 10.36
